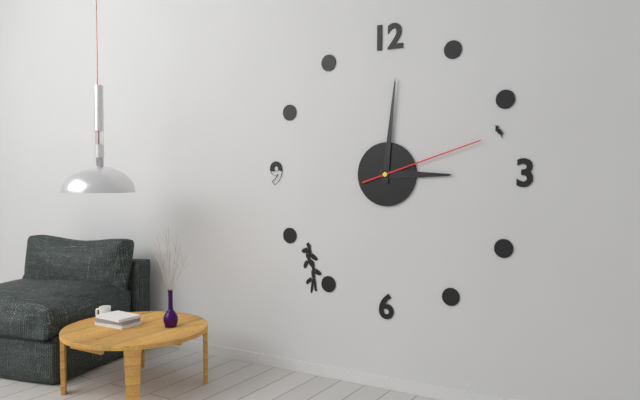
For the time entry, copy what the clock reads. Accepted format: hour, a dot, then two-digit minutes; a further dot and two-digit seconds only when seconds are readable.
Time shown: 3.01.12
